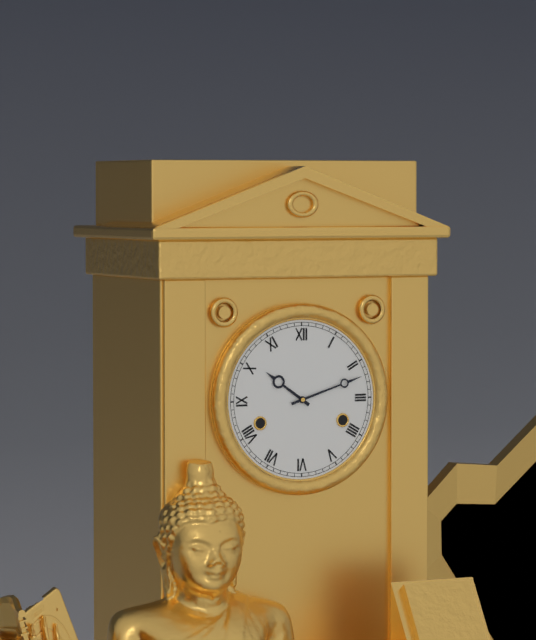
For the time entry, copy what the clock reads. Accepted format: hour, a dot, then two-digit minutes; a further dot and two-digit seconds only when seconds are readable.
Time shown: 10.12
